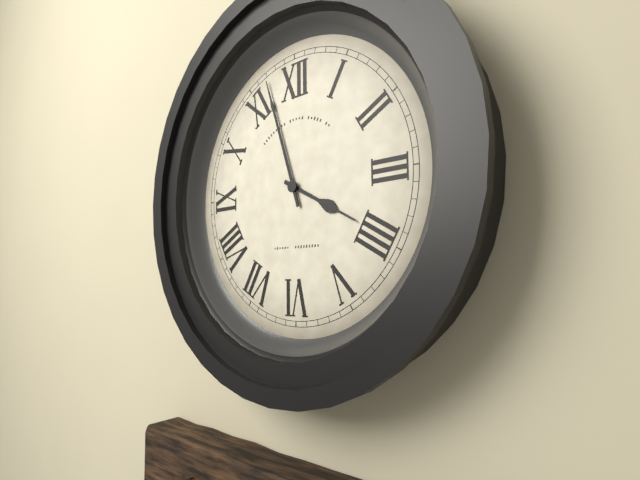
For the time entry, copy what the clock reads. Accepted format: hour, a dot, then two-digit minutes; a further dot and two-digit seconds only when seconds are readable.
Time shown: 3.57
